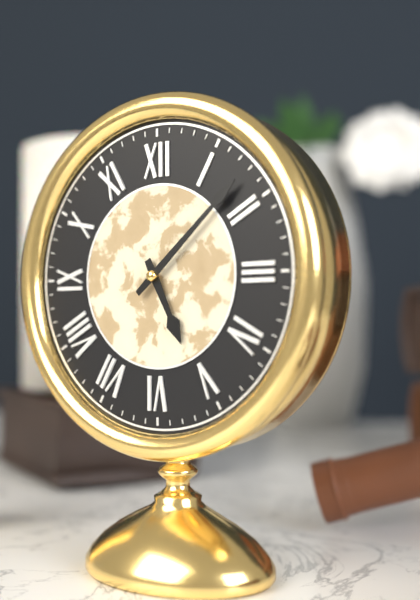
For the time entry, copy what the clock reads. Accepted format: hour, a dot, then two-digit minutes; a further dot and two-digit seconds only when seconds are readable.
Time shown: 5.08
